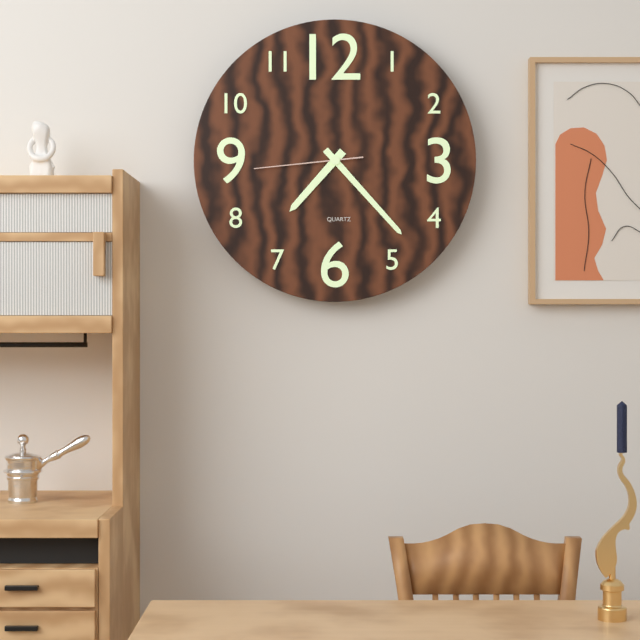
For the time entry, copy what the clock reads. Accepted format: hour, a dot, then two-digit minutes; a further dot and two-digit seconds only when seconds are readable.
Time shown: 7.23.44
